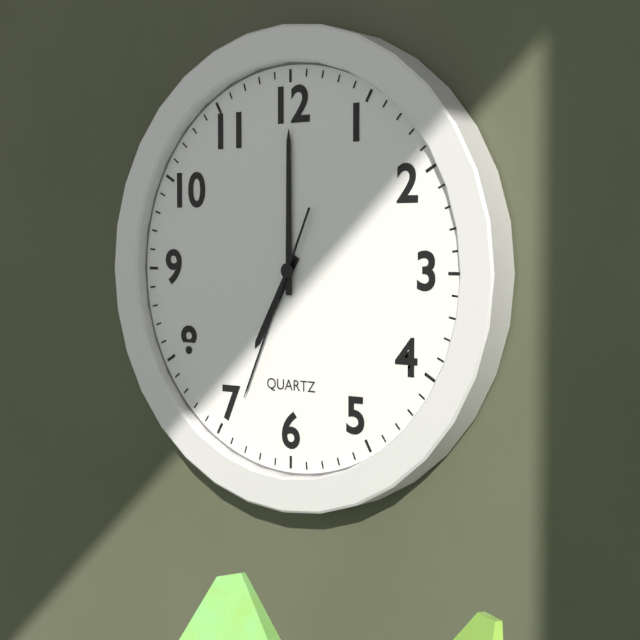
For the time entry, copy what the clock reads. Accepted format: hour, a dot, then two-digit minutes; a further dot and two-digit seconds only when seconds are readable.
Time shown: 7.00.34
